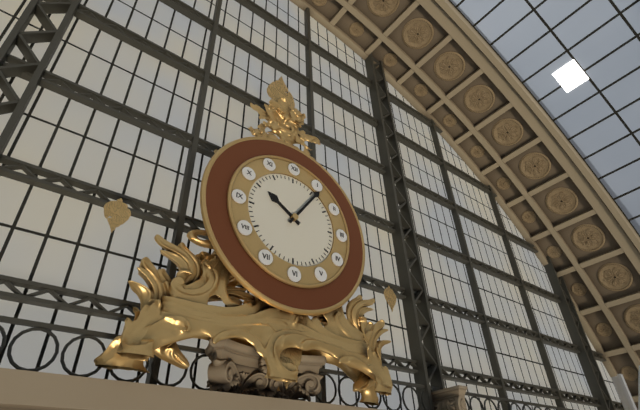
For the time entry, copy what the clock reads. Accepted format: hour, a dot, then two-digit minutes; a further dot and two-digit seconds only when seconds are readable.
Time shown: 10.06
